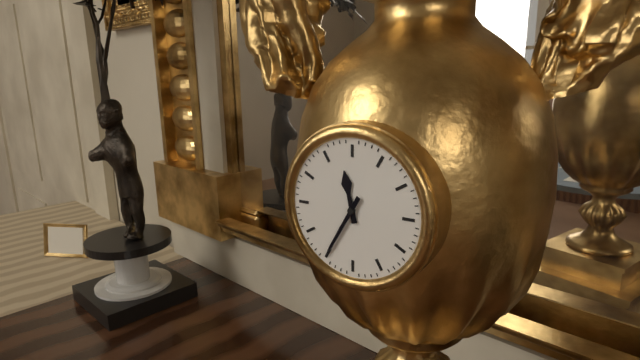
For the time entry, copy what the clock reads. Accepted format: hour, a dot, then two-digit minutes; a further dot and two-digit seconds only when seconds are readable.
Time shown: 11.35
